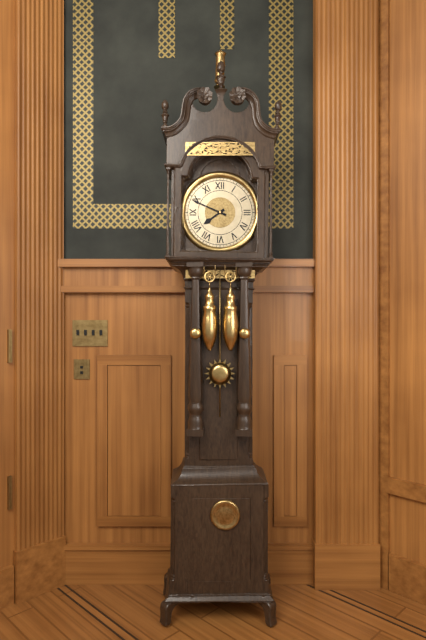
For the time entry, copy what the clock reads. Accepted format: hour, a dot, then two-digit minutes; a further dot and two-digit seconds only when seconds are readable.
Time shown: 7.49
